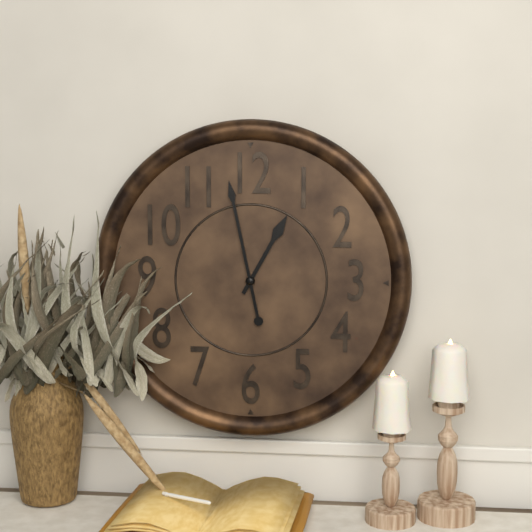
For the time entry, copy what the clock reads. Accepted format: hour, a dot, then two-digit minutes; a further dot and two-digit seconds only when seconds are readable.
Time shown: 12.58
